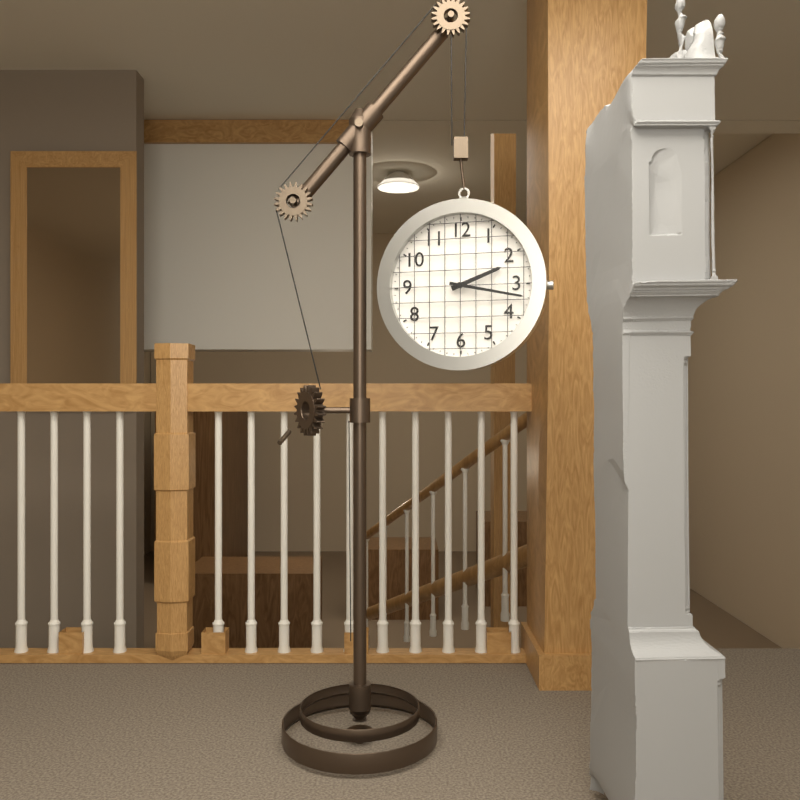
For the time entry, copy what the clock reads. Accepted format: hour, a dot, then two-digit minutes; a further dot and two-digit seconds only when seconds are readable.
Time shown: 2.17
